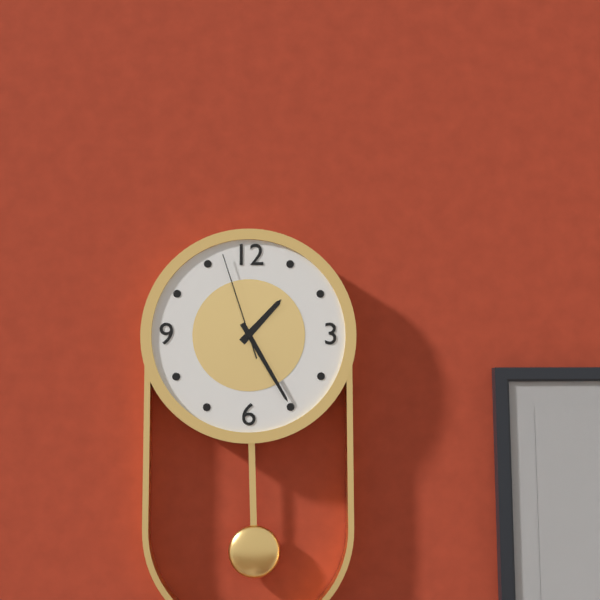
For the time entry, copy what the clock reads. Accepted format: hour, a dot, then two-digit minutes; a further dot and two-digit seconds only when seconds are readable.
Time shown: 1.25.57
